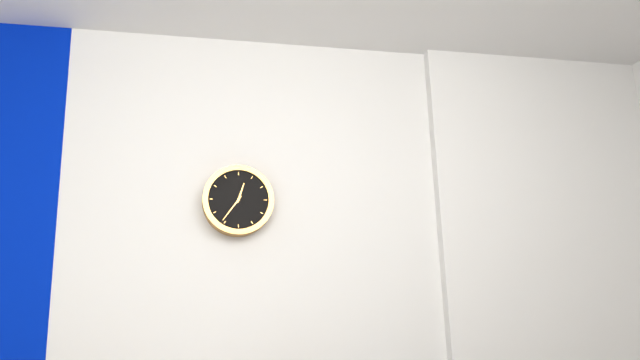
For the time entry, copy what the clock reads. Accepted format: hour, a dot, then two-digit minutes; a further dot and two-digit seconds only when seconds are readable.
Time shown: 12.36
